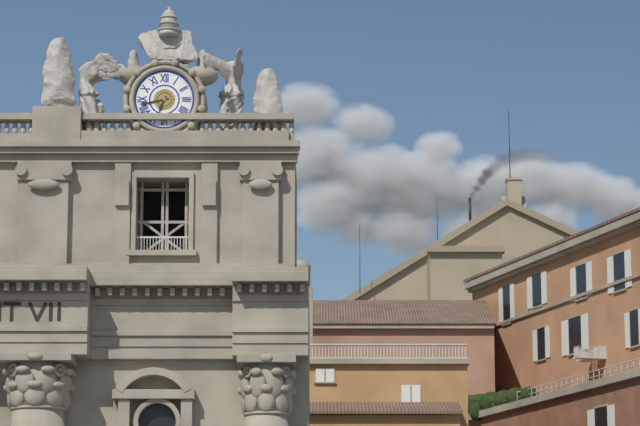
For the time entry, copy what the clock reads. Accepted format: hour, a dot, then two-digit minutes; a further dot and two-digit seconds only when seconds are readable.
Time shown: 6.43
